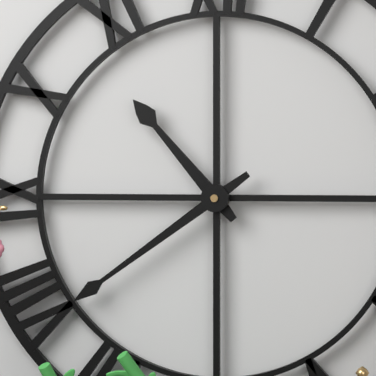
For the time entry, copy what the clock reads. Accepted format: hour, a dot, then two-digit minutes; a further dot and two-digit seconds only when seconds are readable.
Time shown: 10.39
